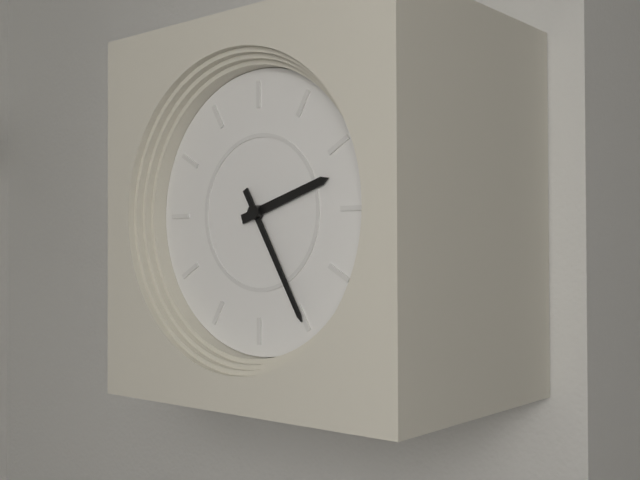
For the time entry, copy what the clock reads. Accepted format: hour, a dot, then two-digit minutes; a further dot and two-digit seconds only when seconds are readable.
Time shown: 2.25
